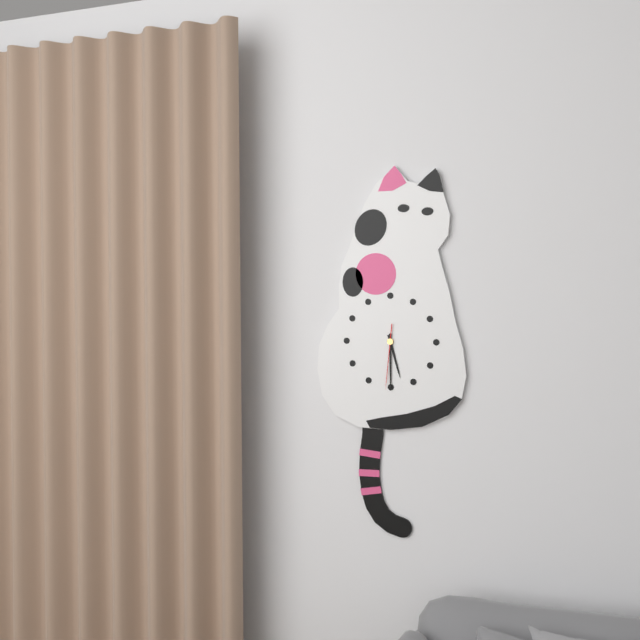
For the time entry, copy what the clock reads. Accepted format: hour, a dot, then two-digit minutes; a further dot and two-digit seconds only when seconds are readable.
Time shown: 5.30.31
